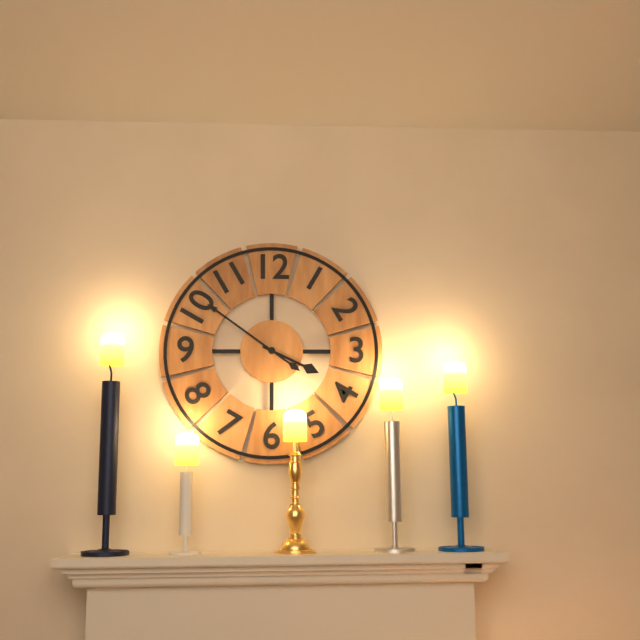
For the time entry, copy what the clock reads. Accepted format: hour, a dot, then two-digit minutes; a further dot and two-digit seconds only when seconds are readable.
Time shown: 3.51
